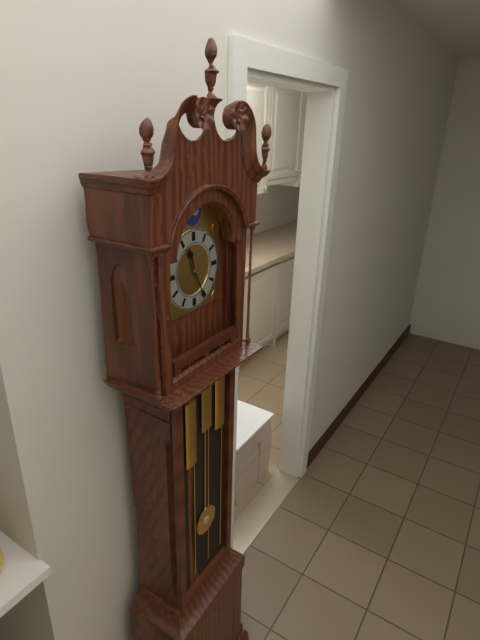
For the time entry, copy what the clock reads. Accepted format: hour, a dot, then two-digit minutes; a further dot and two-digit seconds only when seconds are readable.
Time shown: 11.26
